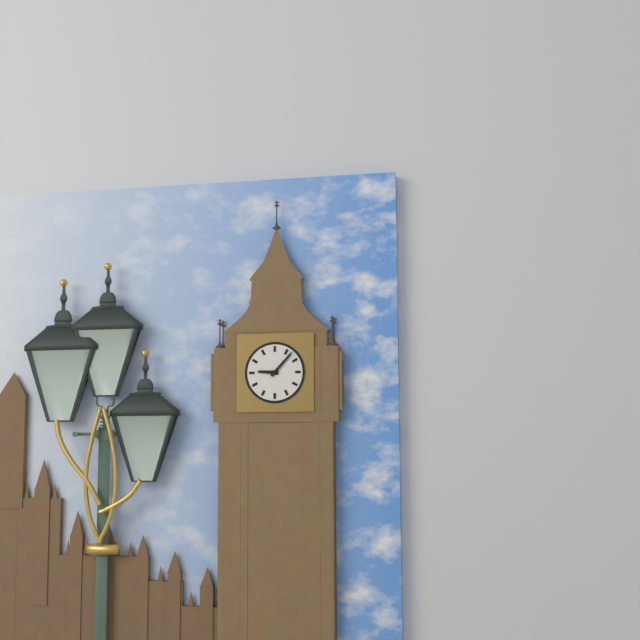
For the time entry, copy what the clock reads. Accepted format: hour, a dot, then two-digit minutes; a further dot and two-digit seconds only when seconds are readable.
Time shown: 9.07
